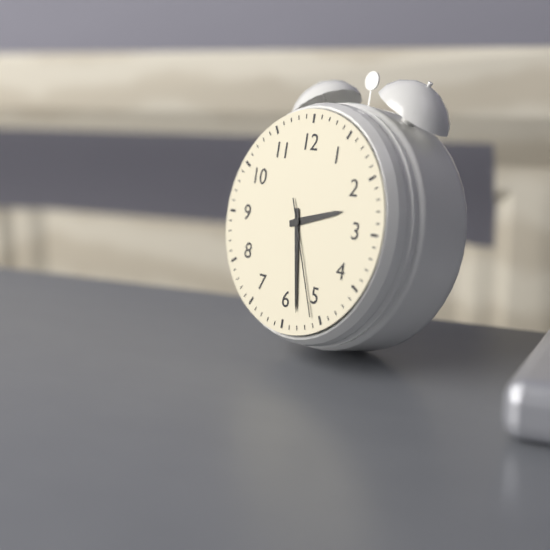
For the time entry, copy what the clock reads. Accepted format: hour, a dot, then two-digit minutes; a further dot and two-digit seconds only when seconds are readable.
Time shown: 2.28.26
